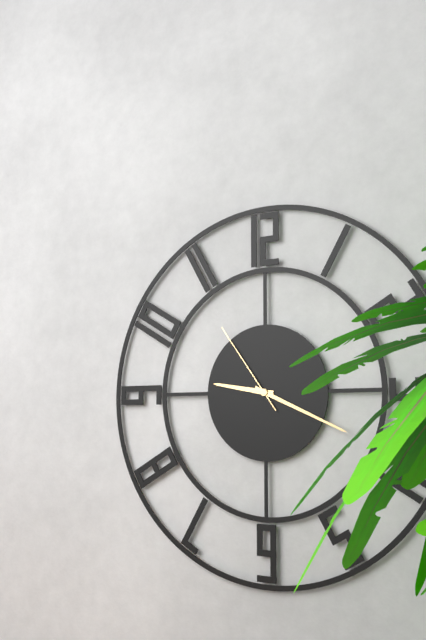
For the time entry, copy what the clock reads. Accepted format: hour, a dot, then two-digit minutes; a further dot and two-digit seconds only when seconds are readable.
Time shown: 9.19.54
